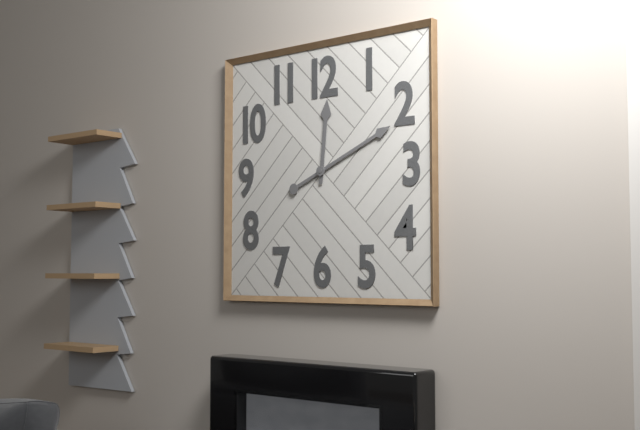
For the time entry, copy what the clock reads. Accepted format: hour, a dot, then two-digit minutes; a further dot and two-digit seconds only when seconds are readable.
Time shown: 12.11
